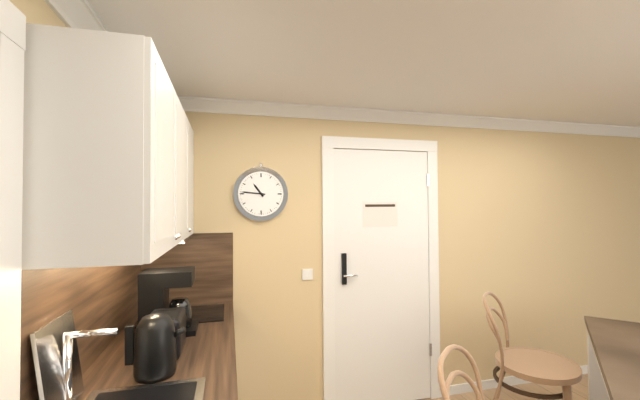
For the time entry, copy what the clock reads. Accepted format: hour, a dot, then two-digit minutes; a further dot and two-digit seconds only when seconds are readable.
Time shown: 10.46
